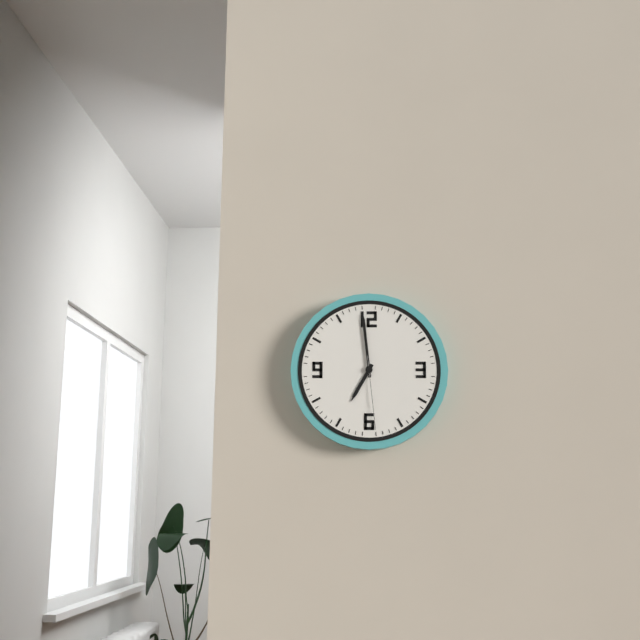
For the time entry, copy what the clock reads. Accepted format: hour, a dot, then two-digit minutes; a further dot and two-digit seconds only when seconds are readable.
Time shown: 6.59.29
